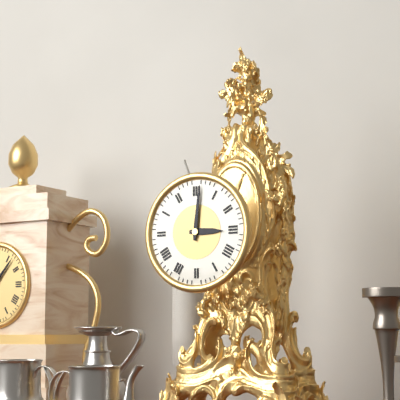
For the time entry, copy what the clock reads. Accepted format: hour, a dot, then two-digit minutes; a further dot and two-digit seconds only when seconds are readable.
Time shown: 3.01
